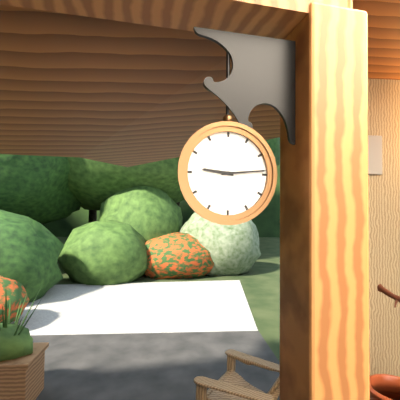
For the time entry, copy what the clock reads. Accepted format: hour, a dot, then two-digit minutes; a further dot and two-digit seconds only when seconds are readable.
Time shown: 9.14
